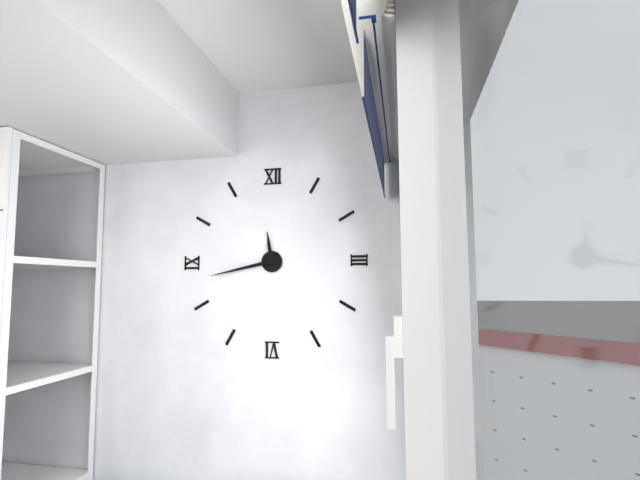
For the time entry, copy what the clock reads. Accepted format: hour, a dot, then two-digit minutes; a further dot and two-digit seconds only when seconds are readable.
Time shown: 11.43
